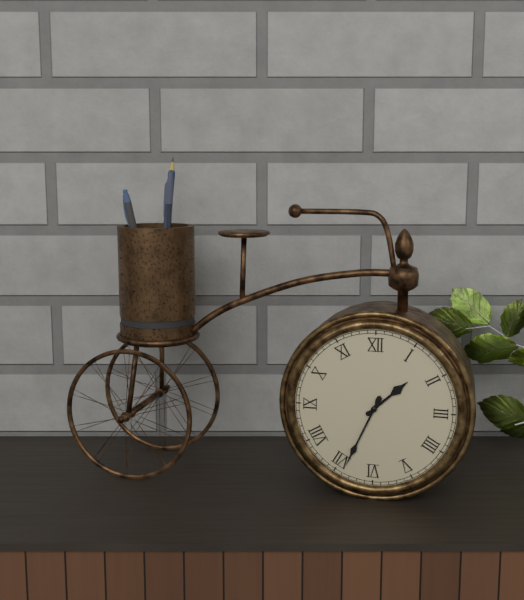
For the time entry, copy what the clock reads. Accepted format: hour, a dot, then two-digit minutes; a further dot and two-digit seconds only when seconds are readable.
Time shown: 1.34
